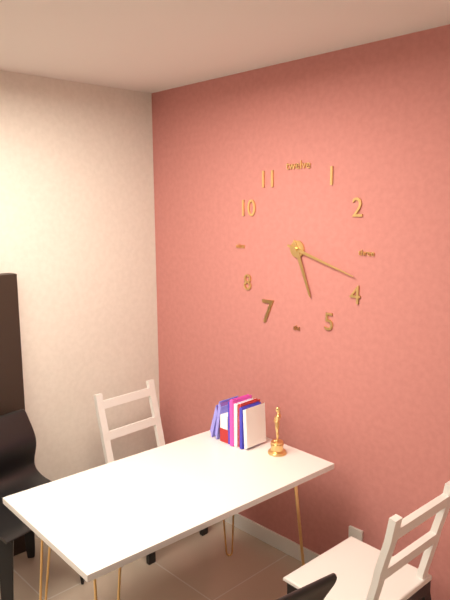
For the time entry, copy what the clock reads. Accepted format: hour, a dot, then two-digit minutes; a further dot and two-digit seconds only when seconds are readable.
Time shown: 5.18
